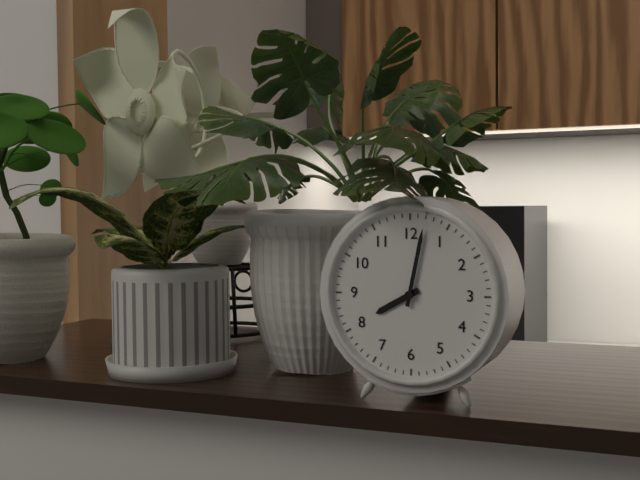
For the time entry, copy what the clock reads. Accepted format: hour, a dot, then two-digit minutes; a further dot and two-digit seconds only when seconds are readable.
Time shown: 8.02
